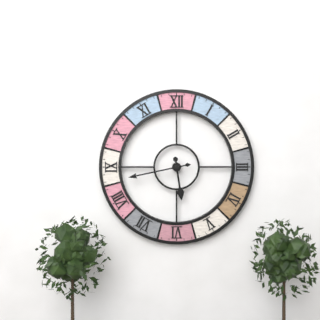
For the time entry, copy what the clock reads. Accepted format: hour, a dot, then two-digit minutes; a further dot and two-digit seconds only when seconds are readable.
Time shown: 5.43
